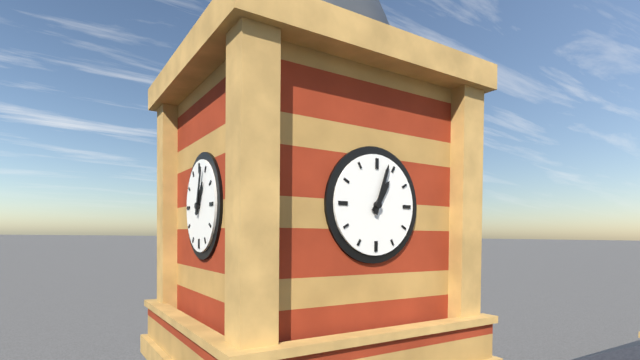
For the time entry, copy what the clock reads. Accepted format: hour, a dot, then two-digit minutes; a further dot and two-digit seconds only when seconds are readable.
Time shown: 1.03
